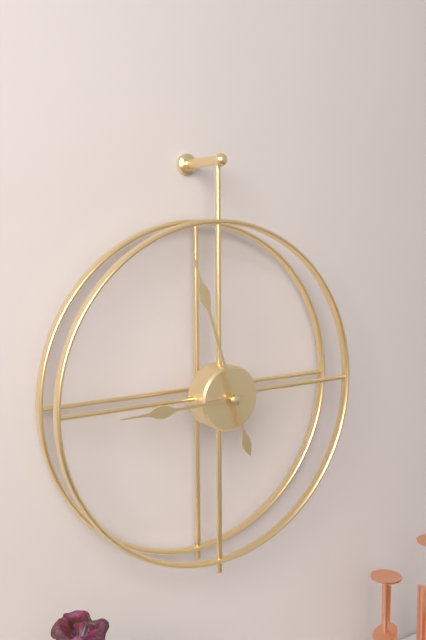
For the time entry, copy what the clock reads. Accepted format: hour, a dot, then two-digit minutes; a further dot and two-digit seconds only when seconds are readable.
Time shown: 8.57
